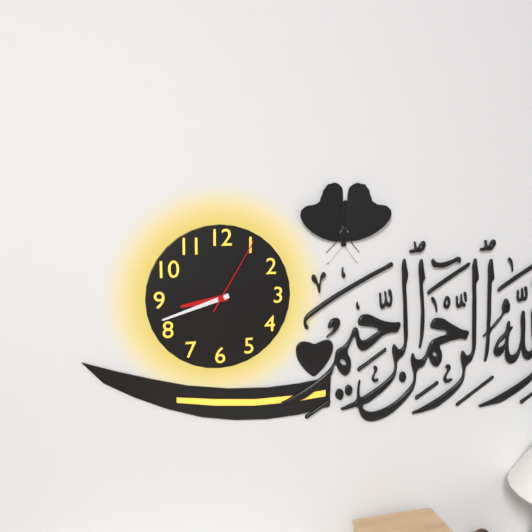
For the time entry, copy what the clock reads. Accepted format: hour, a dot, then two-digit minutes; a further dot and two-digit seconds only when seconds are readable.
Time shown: 8.42.05
